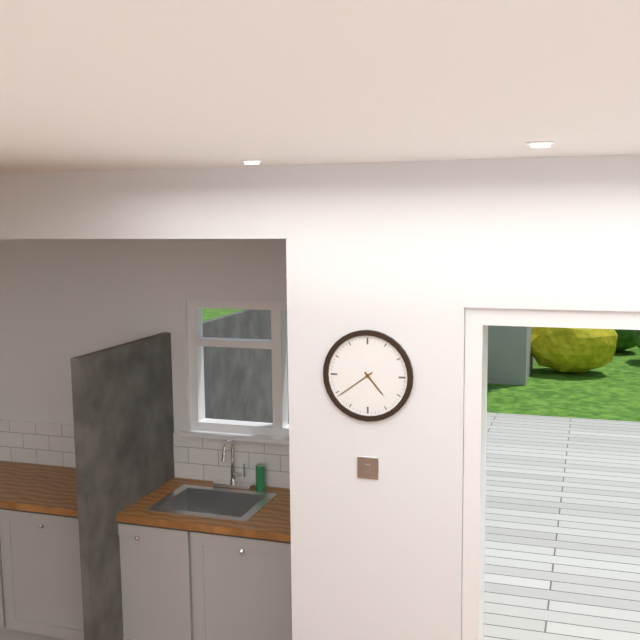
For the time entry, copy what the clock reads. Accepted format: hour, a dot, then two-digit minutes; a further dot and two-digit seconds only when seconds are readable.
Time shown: 4.39
